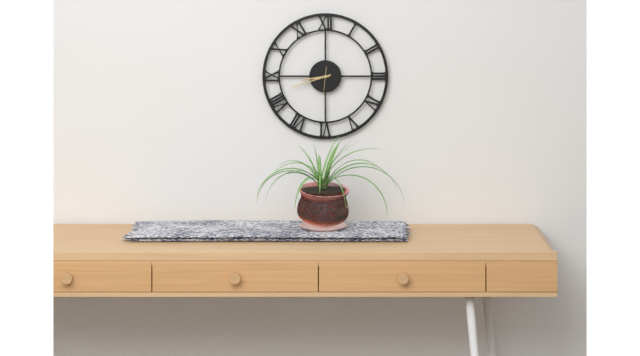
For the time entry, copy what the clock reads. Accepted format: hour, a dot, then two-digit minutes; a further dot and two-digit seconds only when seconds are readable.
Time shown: 8.42
